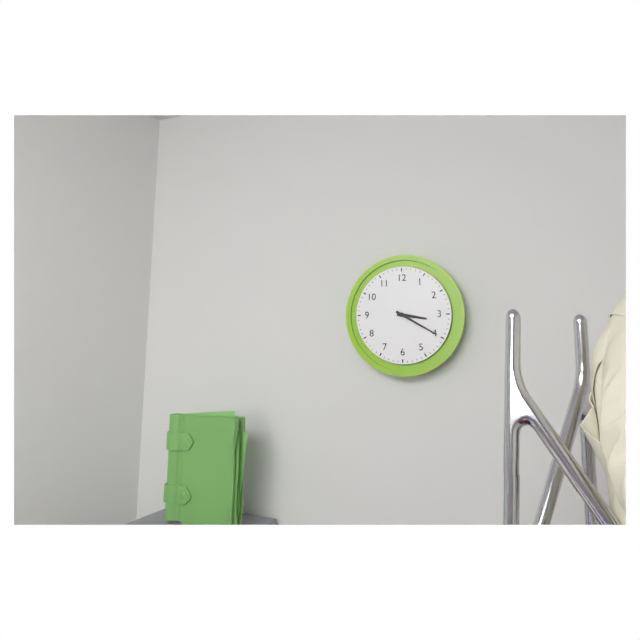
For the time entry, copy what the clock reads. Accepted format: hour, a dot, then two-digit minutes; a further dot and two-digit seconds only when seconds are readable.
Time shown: 3.20
